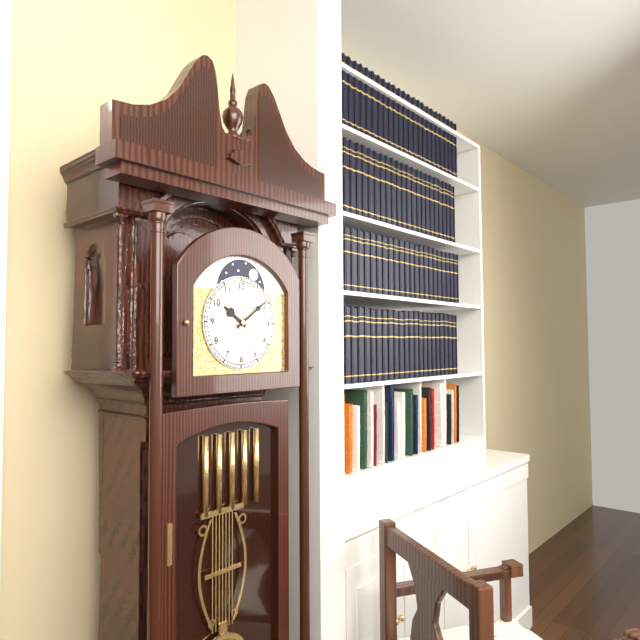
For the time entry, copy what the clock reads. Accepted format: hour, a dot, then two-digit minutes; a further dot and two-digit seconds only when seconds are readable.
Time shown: 10.09
